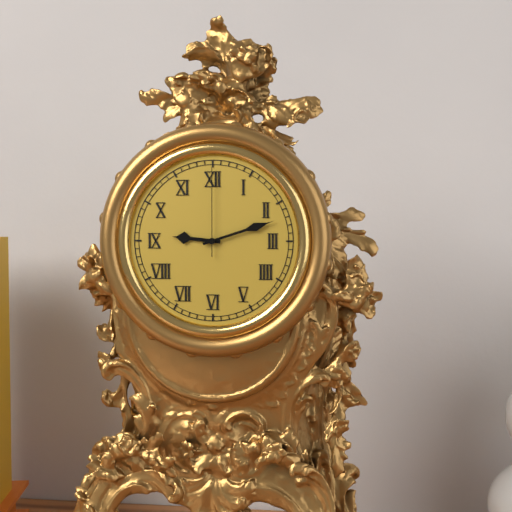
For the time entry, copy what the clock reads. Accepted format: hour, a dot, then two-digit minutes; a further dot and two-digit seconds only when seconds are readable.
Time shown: 9.12.00
